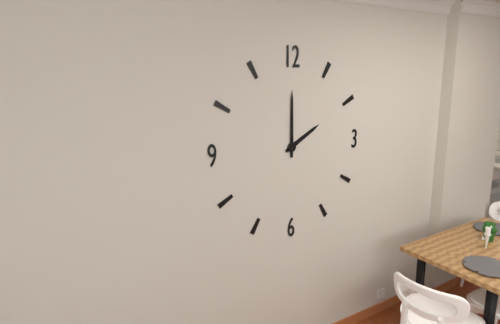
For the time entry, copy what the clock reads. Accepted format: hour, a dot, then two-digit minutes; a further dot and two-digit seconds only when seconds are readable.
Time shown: 2.00
